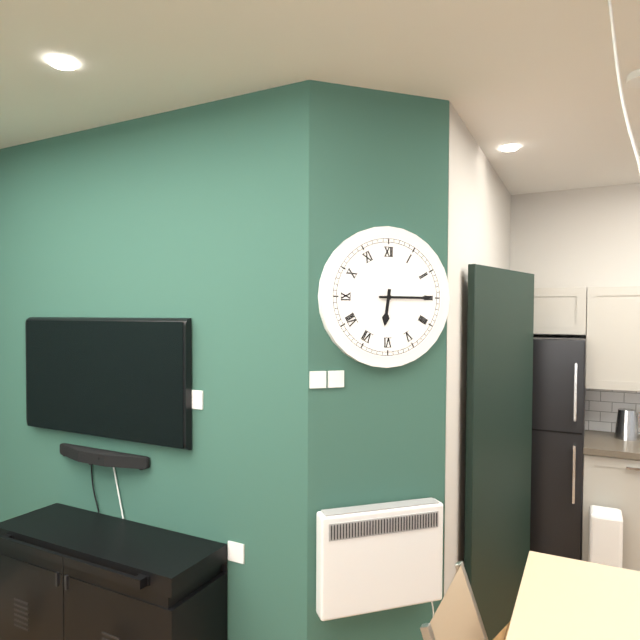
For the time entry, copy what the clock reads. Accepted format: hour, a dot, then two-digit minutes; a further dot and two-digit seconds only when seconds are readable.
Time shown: 6.15
